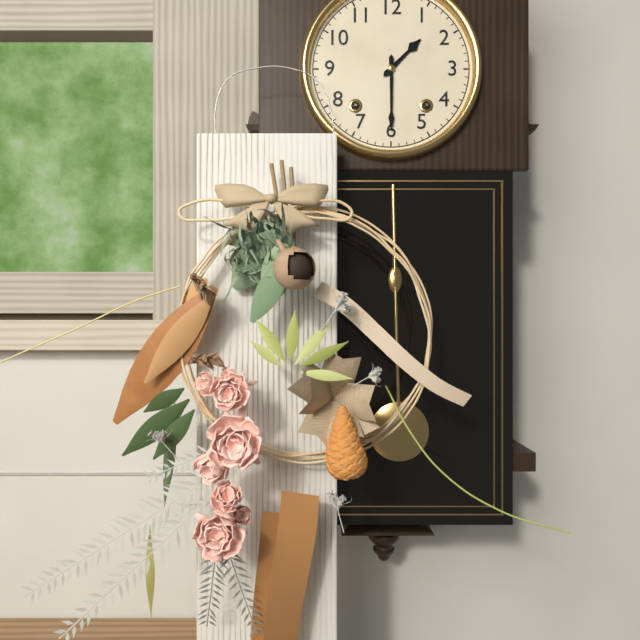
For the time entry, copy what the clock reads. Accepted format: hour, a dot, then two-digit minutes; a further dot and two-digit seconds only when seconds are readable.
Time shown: 1.30
